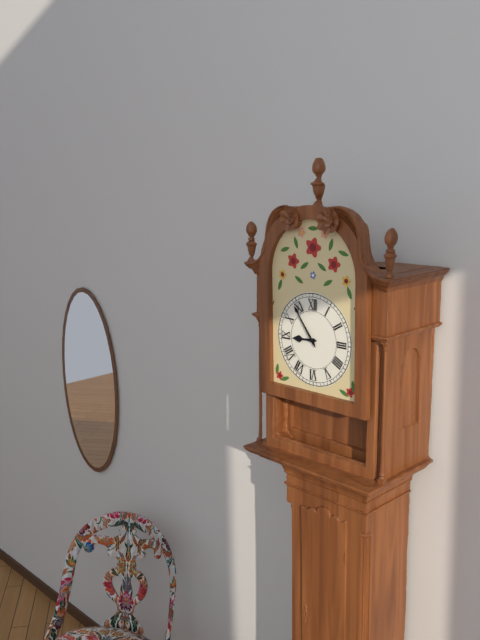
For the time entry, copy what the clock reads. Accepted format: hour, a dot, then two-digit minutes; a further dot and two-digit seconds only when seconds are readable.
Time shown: 8.54
